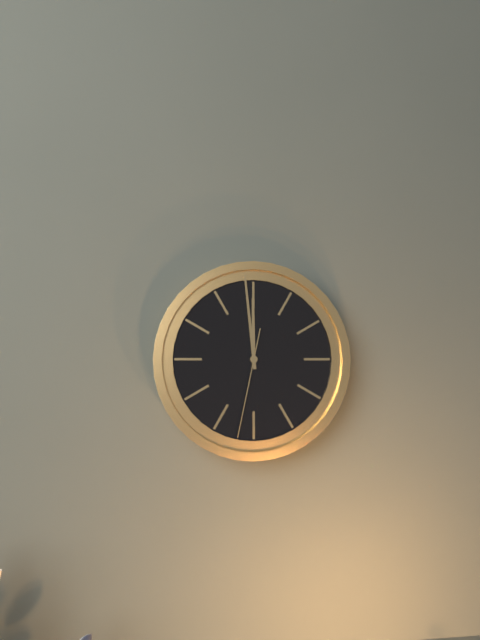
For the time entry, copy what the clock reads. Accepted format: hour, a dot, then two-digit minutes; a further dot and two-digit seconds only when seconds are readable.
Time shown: 11.59.32
